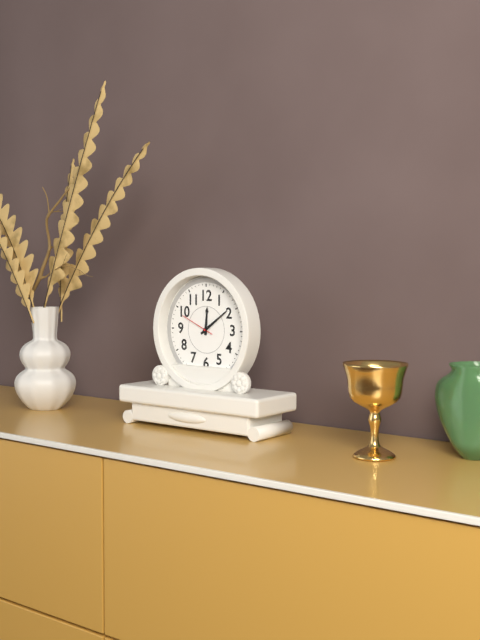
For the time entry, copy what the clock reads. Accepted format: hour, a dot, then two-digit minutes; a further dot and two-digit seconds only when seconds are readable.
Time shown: 12.09
